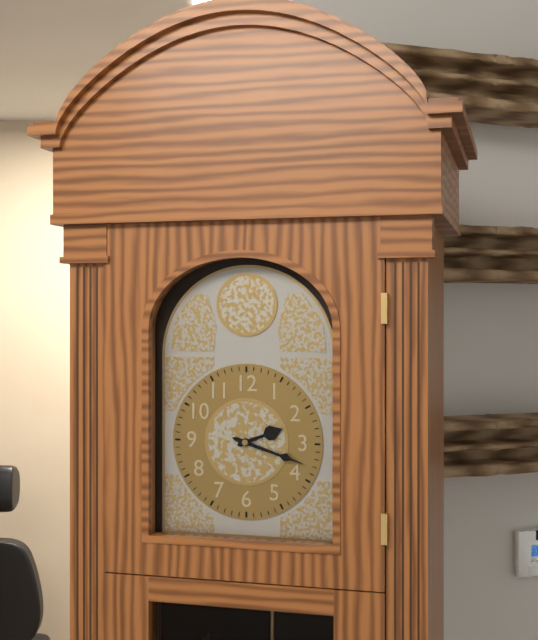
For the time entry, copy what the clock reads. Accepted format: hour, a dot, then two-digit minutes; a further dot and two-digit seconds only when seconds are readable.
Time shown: 2.18
